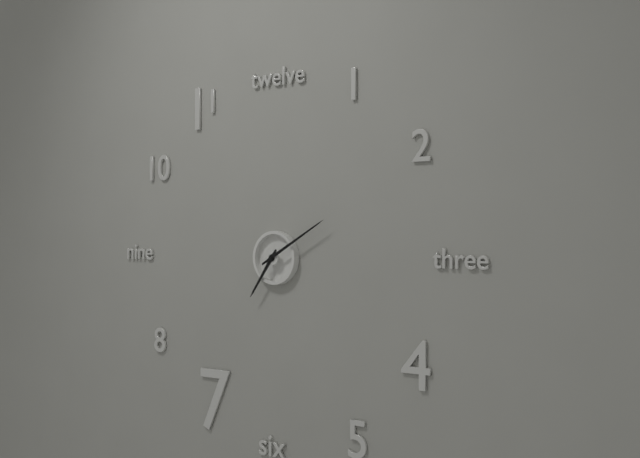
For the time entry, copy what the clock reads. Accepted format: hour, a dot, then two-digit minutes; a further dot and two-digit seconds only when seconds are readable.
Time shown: 7.10
